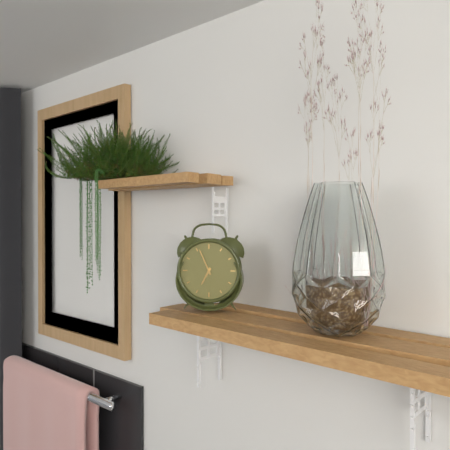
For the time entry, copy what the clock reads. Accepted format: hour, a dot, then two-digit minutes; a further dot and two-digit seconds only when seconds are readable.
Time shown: 6.56
